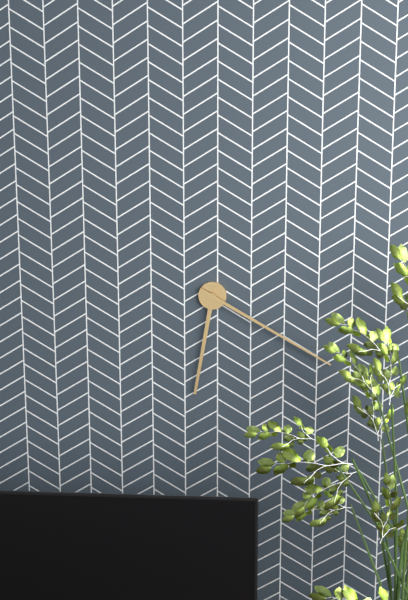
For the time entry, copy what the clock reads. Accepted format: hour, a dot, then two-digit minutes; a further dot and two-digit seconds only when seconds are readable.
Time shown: 6.20
